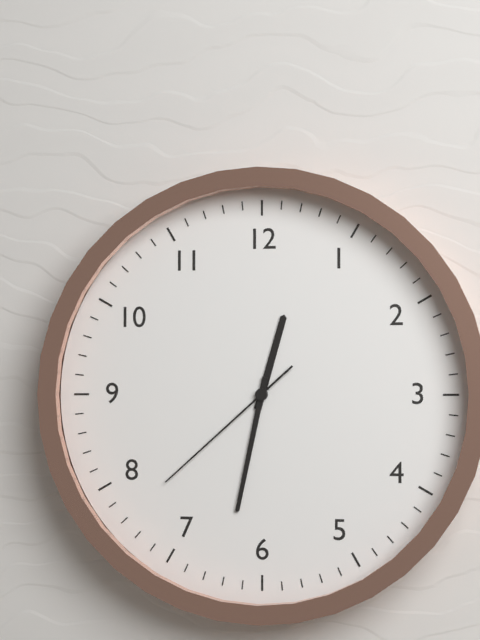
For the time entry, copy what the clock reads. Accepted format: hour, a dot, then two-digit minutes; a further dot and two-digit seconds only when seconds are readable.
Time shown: 12.32.38
